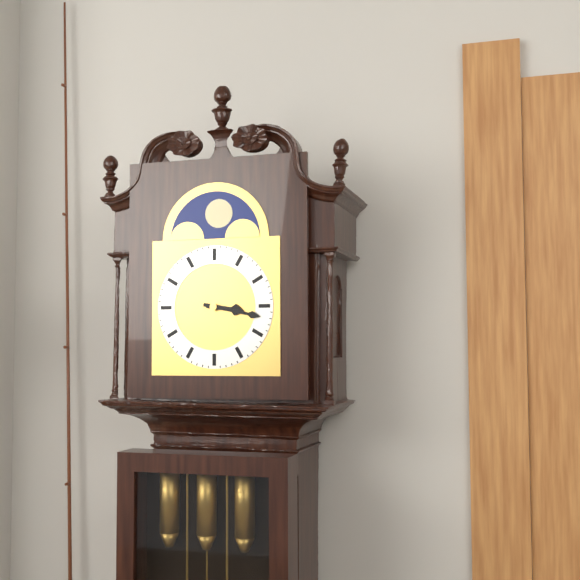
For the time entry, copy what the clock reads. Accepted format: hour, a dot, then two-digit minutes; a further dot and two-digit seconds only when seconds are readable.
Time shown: 3.17
